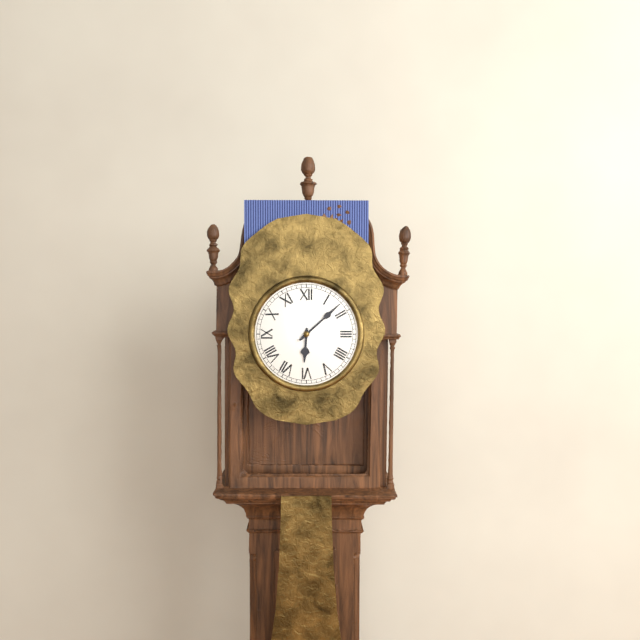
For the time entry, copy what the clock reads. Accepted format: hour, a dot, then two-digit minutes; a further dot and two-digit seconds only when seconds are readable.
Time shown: 6.08
